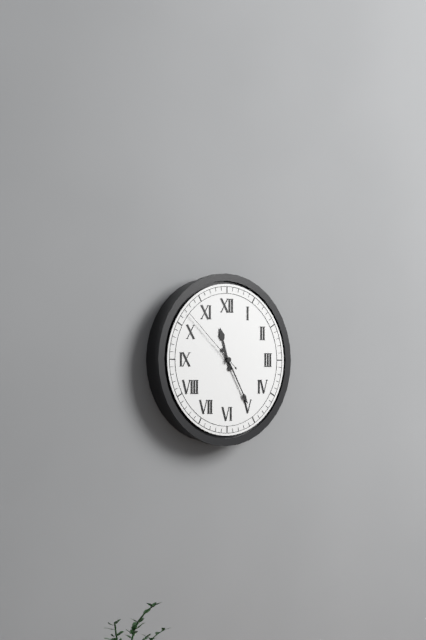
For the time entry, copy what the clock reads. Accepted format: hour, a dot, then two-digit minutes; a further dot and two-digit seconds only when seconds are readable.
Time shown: 11.25.52
